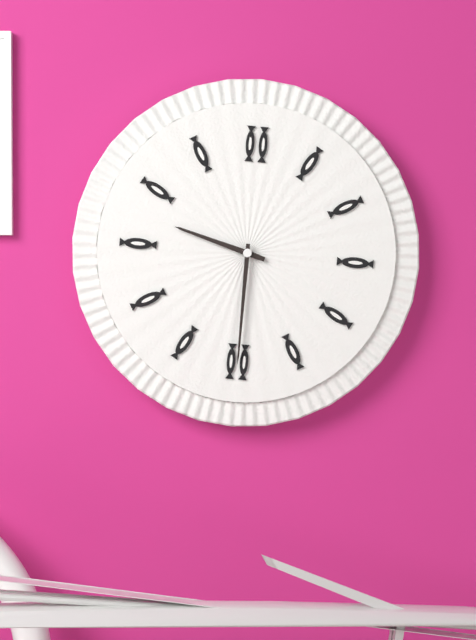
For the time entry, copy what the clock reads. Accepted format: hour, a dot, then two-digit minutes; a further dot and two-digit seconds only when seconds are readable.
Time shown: 9.30
